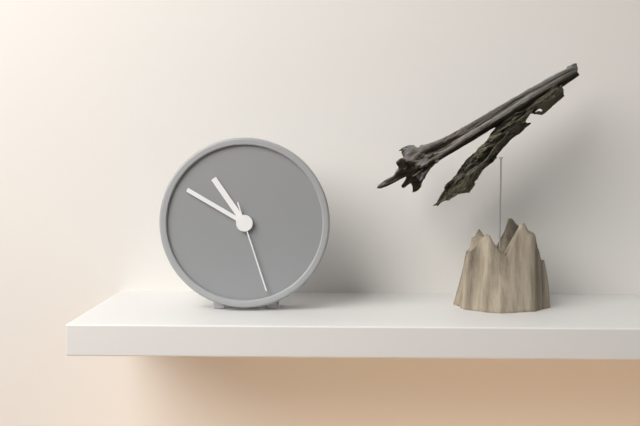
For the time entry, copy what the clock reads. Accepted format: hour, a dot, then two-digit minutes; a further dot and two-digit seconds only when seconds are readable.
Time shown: 10.50.27
